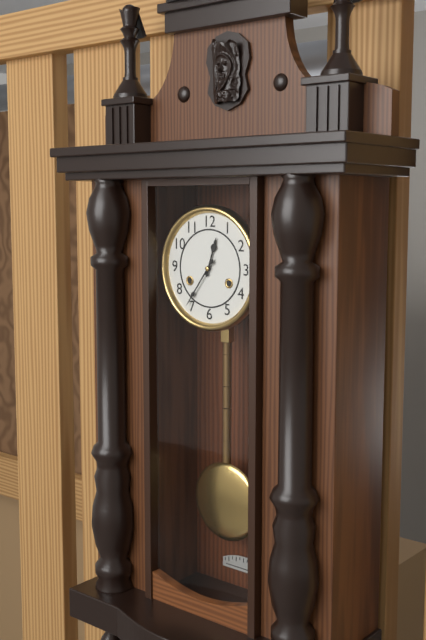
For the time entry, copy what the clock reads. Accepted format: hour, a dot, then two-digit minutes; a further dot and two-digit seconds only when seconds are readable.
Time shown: 12.36
